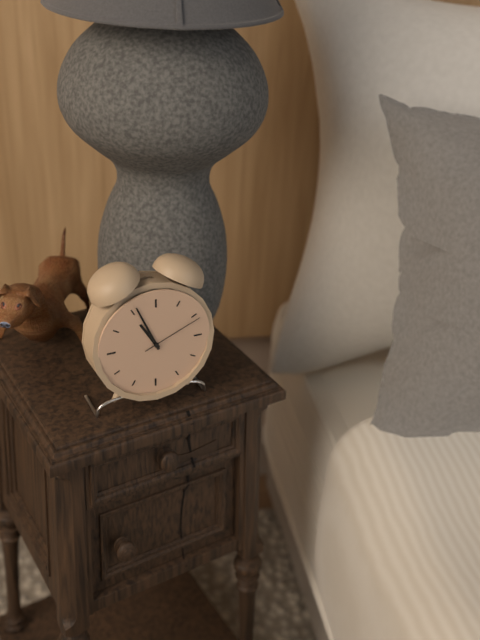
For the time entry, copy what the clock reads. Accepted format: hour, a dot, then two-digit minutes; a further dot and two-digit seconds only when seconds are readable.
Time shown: 10.56.11
